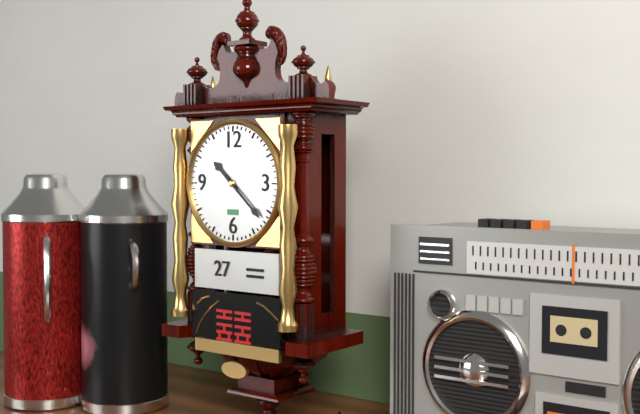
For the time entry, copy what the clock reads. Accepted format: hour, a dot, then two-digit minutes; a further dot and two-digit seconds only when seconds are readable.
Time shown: 10.22
